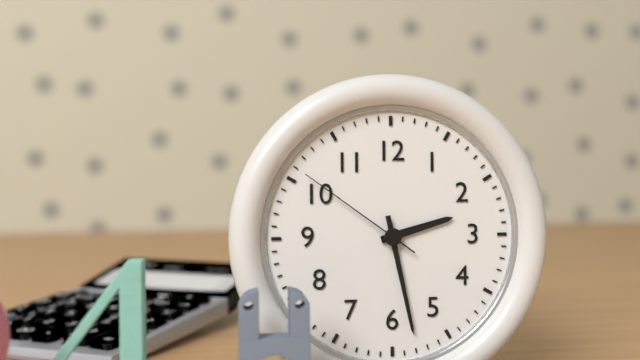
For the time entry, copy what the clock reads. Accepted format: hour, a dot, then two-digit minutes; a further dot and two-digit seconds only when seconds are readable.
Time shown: 2.28.51
